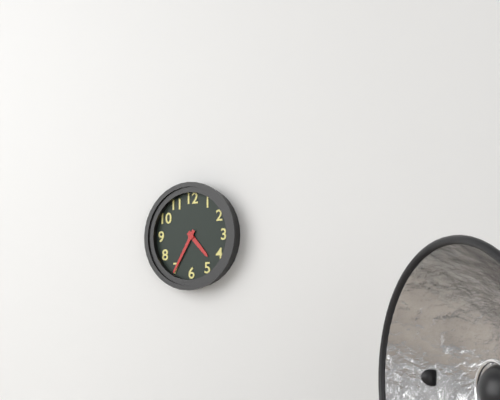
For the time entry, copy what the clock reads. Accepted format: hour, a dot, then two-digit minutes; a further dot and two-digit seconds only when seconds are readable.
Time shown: 4.35
